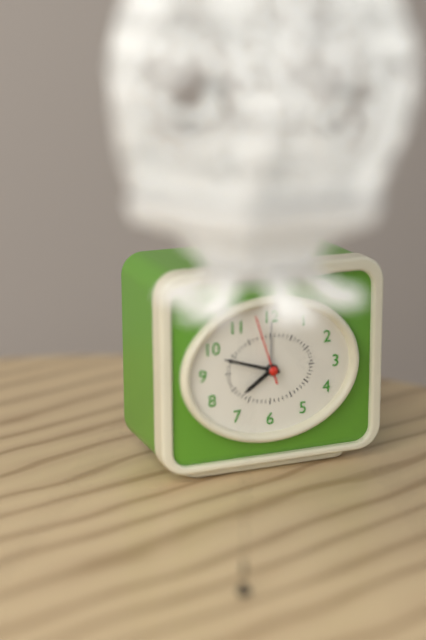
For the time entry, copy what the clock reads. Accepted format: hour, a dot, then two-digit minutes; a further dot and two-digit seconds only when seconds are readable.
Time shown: 7.48
